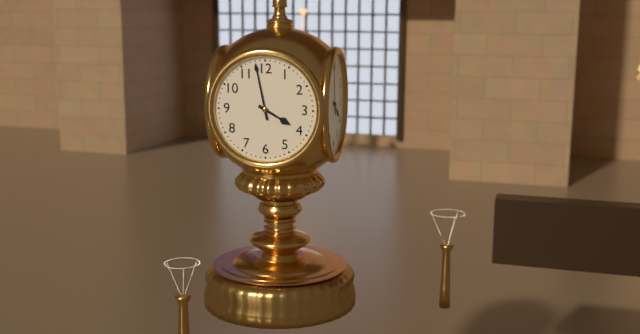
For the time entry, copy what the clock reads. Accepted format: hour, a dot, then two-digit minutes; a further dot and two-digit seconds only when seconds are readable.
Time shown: 3.58
